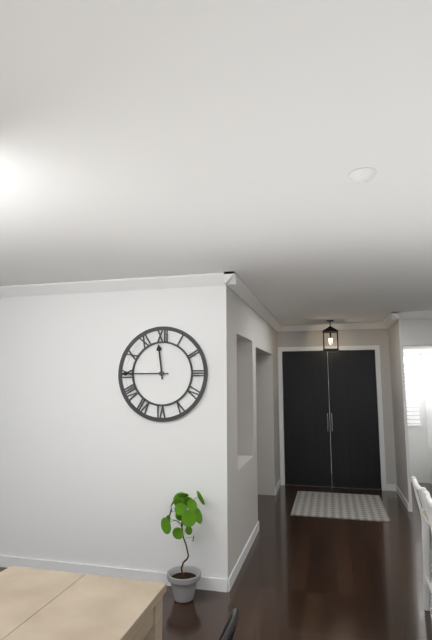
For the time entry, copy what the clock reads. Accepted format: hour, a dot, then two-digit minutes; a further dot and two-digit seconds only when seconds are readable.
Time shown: 11.45
